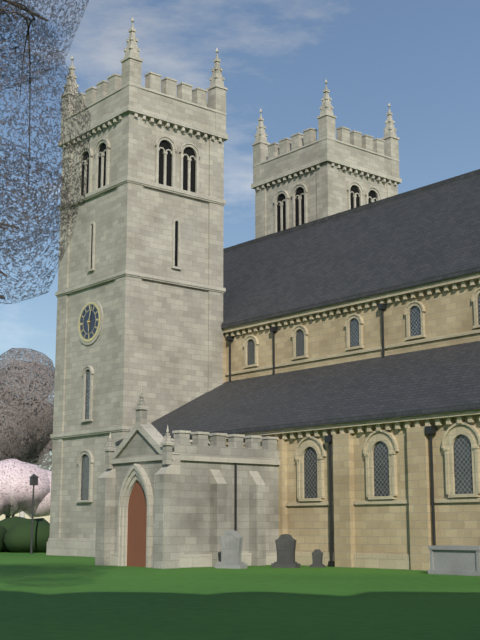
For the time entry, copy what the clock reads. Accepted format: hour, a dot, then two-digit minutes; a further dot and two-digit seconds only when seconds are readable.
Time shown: 6.03
